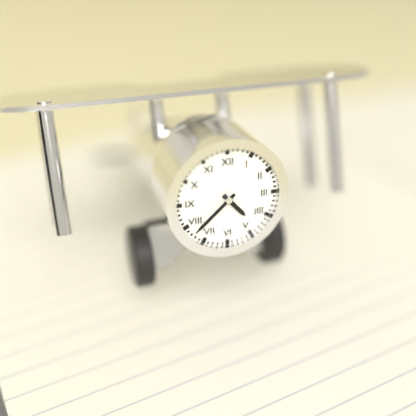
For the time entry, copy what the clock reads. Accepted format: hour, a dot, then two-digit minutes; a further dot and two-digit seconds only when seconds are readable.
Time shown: 4.38
